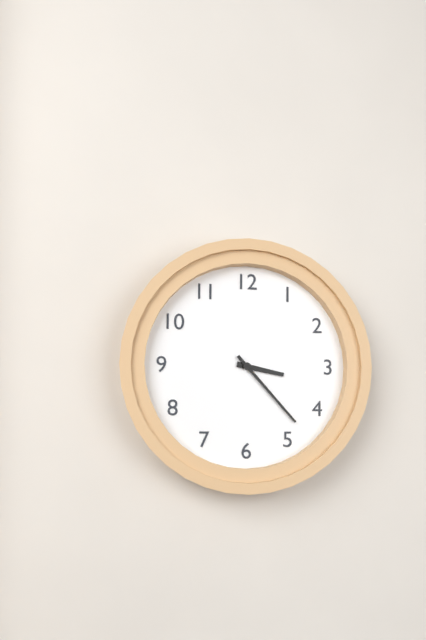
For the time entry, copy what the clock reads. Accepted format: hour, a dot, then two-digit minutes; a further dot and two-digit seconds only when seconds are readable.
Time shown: 3.23
